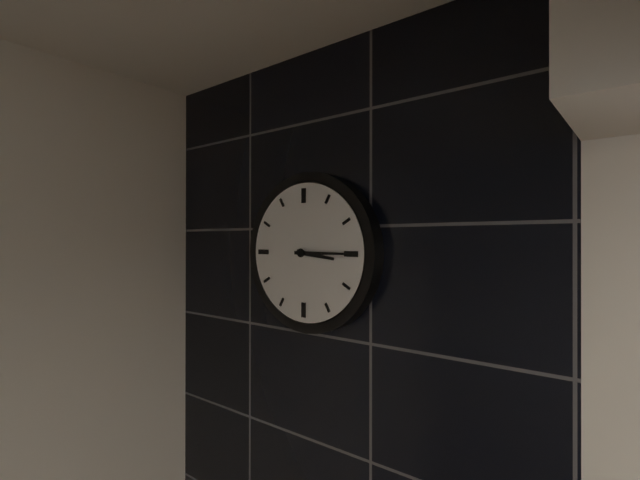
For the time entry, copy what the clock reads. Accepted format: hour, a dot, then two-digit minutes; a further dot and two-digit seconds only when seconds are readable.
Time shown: 3.15
